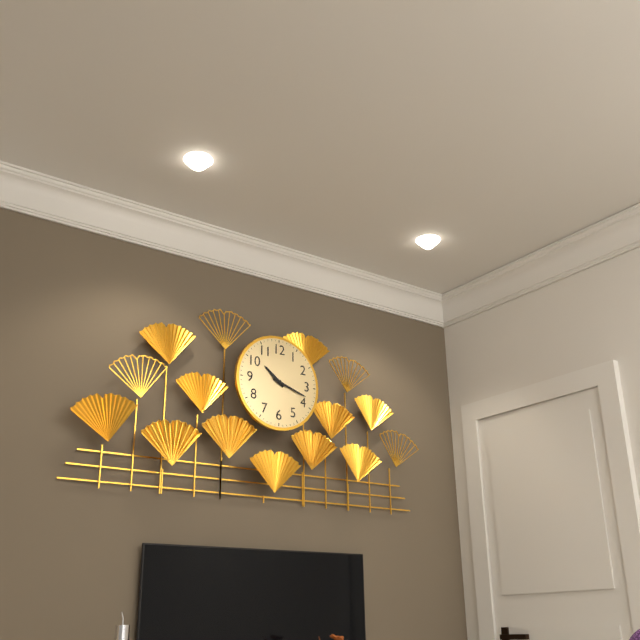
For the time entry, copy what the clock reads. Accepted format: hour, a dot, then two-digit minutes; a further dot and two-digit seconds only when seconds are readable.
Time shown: 10.18
